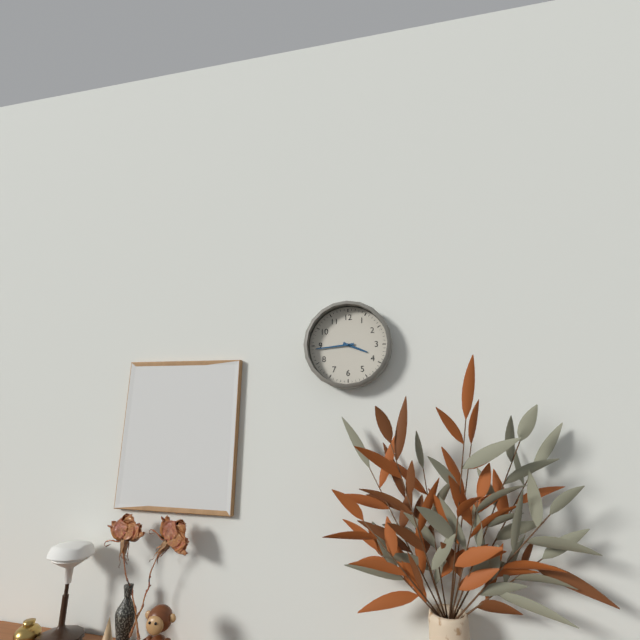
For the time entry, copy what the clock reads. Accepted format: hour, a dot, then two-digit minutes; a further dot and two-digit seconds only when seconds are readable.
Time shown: 3.44
